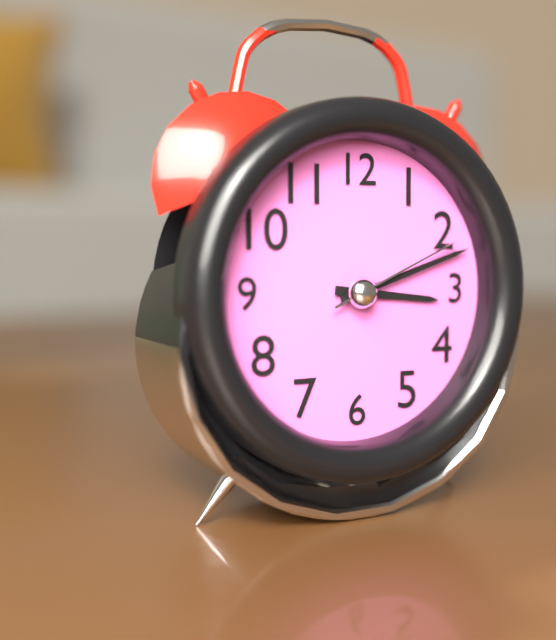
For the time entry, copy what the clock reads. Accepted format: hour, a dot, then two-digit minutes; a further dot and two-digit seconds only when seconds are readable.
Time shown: 3.12.11
